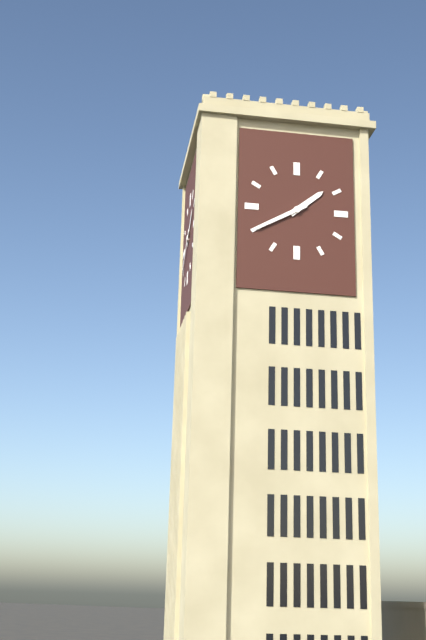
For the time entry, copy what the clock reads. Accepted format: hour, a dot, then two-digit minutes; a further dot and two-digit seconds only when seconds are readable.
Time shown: 1.40
